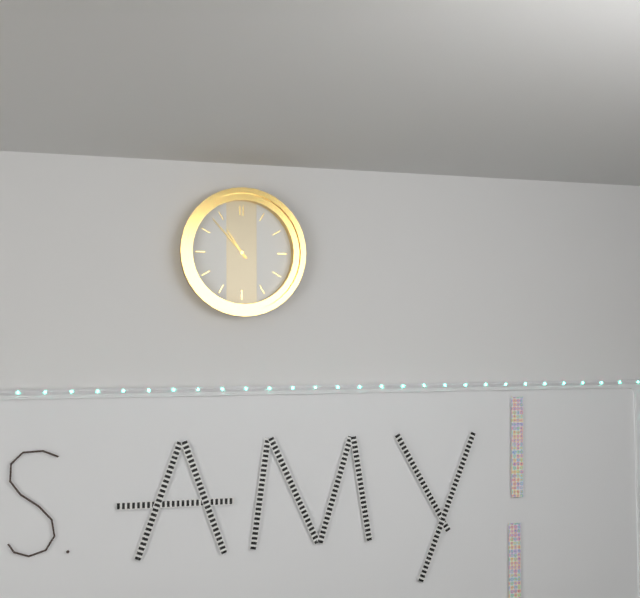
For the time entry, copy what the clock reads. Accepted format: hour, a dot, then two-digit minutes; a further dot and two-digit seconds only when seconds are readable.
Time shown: 10.53
